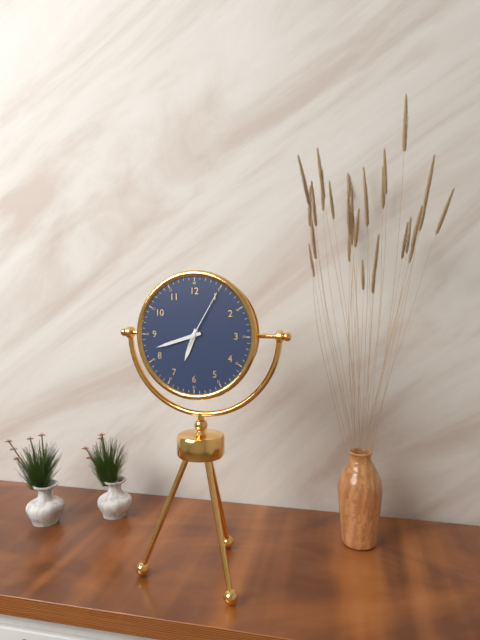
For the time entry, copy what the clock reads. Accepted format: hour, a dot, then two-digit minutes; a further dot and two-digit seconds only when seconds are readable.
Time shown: 6.42.05
